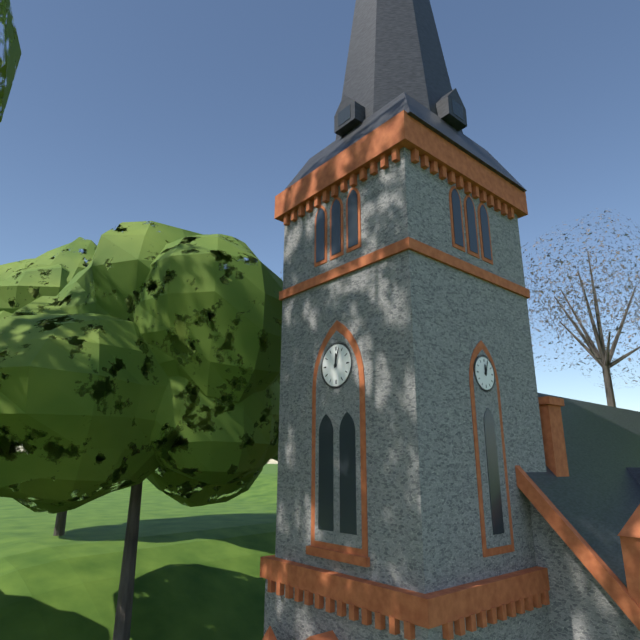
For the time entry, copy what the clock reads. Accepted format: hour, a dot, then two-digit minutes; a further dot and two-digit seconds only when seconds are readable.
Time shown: 12.03
